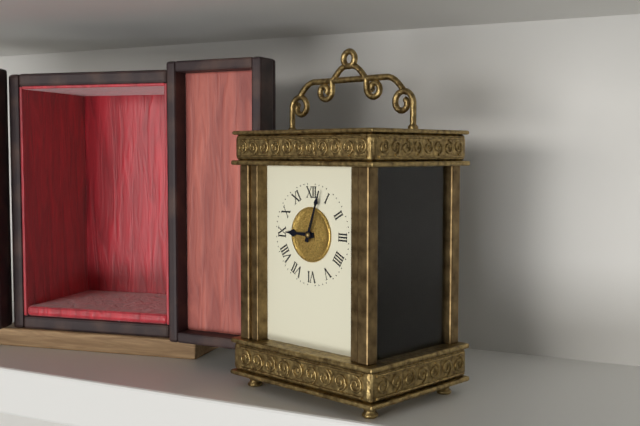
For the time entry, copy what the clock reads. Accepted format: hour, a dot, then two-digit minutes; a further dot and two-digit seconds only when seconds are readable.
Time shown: 9.03
